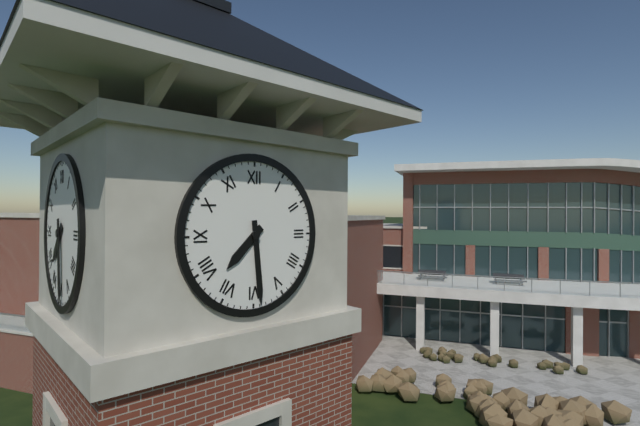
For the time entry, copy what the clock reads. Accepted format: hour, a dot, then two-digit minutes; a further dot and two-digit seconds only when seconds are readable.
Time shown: 7.29
